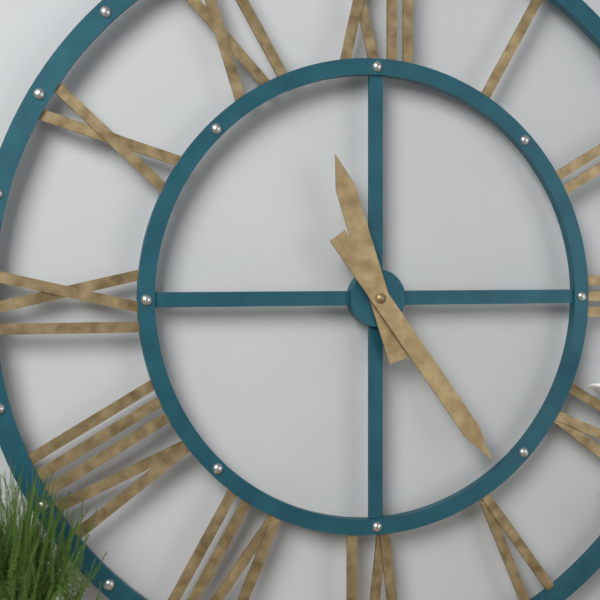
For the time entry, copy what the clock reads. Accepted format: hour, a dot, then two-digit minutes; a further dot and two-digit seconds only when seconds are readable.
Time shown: 11.24
